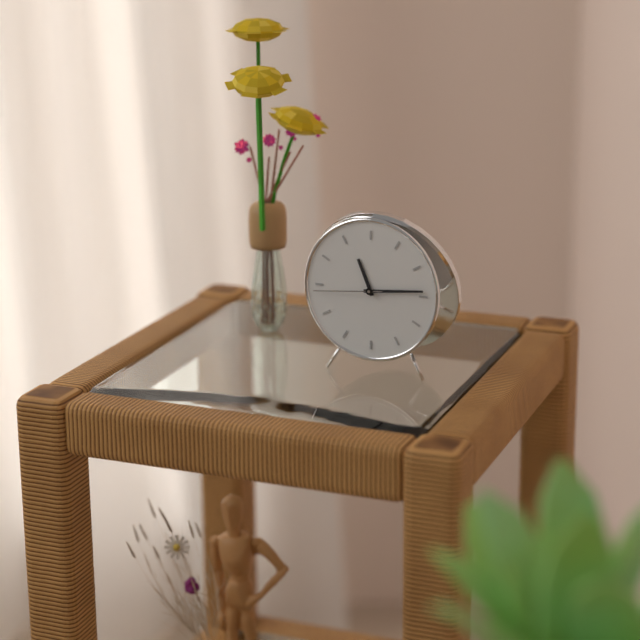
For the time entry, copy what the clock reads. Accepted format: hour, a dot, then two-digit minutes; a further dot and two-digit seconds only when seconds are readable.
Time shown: 11.14.44
